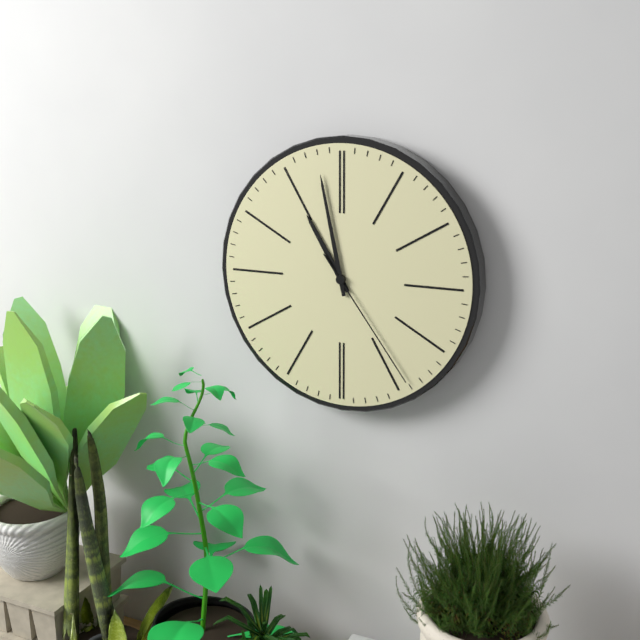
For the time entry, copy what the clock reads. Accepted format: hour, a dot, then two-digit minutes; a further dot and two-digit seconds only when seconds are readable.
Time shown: 10.58.24
